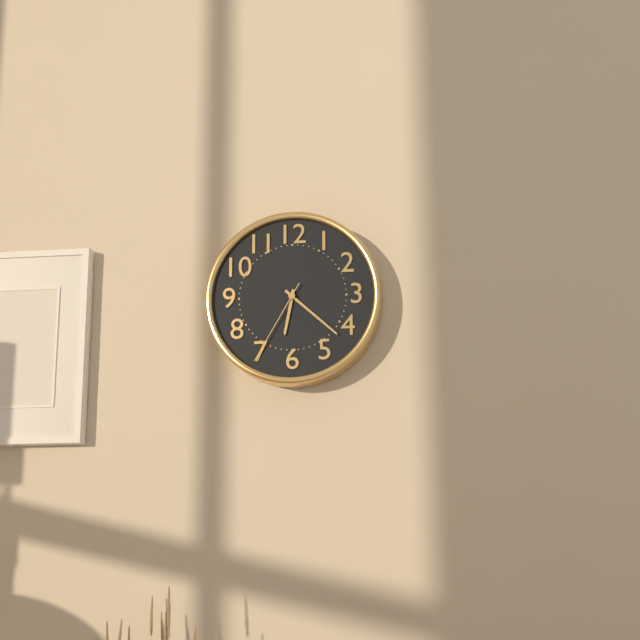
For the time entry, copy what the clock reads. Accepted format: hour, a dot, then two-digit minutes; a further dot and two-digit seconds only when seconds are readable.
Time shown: 6.22.35
